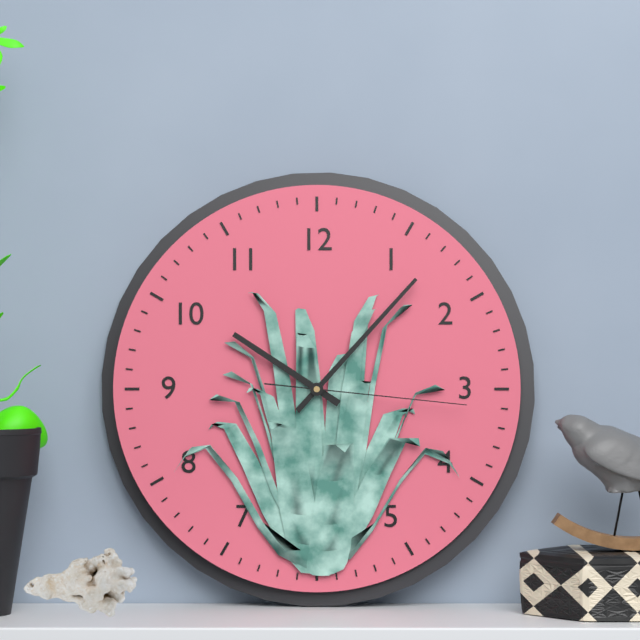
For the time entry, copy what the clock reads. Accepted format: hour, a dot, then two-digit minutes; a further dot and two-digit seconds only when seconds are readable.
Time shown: 10.07.16
